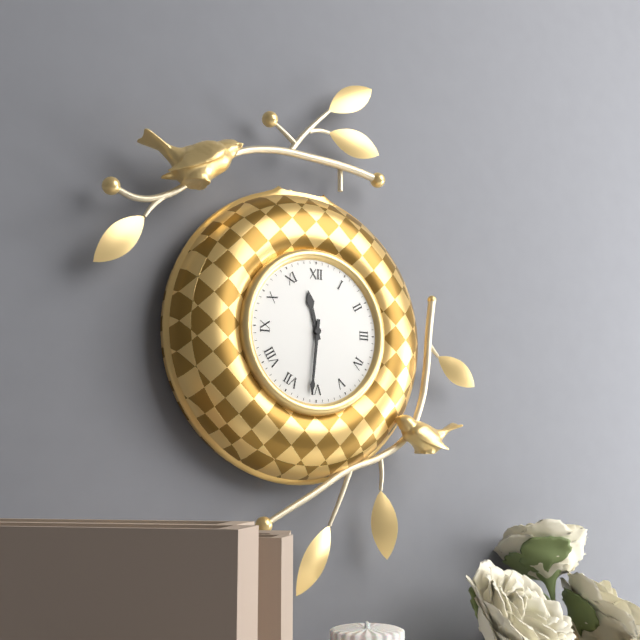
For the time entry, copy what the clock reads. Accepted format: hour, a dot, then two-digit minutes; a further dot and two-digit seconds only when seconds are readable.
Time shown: 11.31
